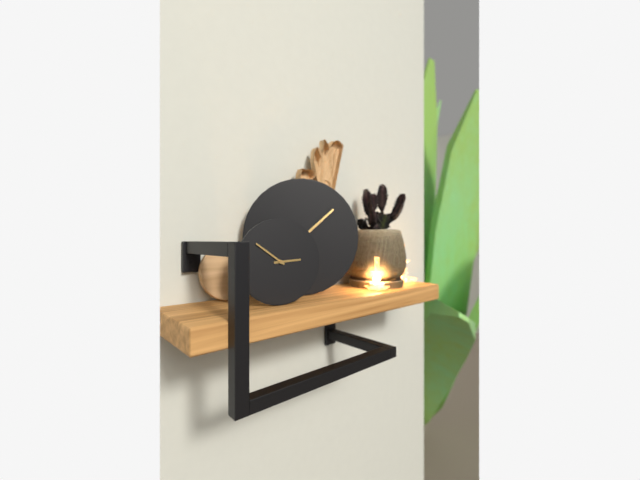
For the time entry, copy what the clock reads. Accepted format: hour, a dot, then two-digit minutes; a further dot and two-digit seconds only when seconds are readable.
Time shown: 2.51
